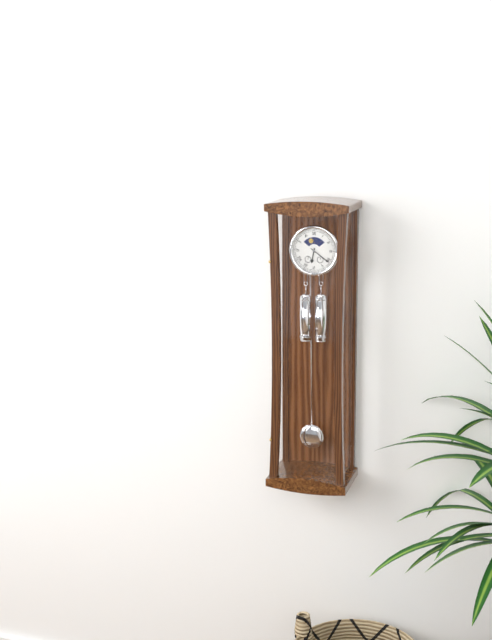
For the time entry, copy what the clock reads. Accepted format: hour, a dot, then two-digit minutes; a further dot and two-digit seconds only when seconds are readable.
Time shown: 6.21
